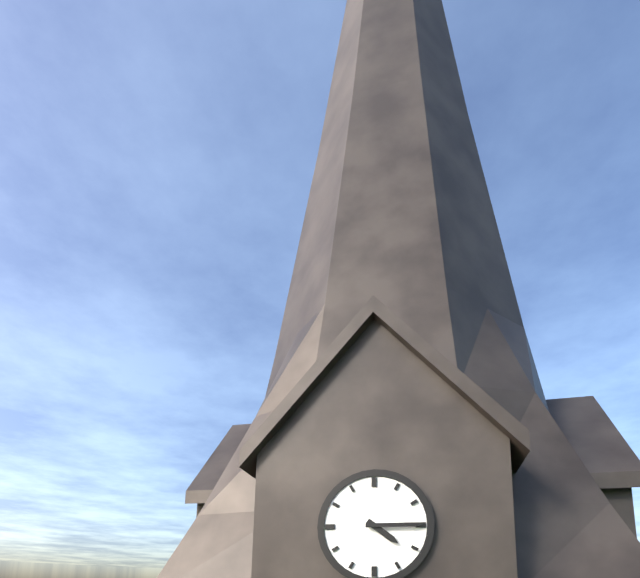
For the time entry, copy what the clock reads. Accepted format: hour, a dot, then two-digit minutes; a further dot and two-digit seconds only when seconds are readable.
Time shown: 4.15
